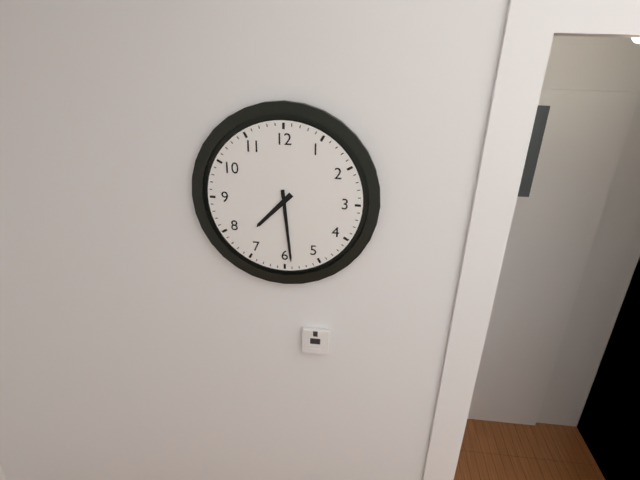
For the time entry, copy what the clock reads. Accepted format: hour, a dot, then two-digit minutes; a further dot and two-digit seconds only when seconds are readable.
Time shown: 7.29
